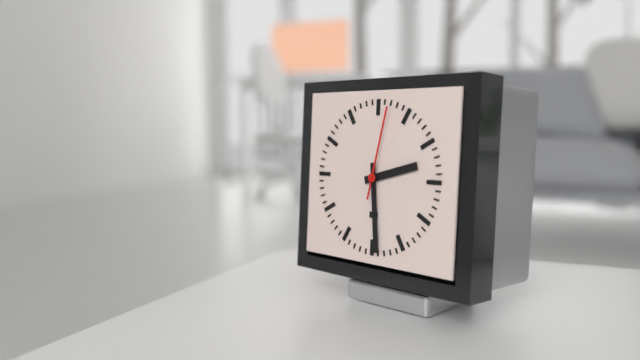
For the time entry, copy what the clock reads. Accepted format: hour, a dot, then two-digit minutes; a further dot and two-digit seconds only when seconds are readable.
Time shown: 2.29.02
